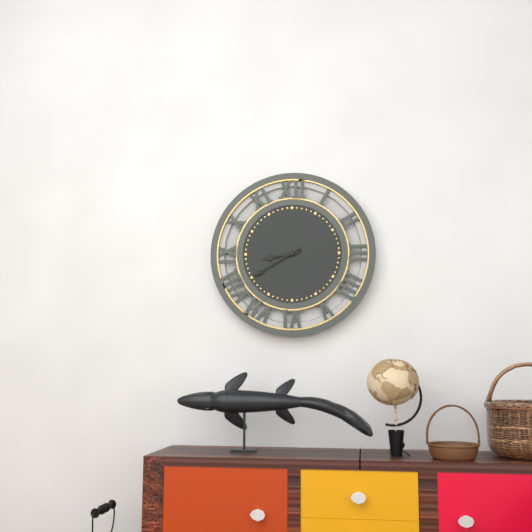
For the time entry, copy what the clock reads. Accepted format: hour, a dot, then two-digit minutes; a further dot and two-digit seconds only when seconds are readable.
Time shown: 8.40
